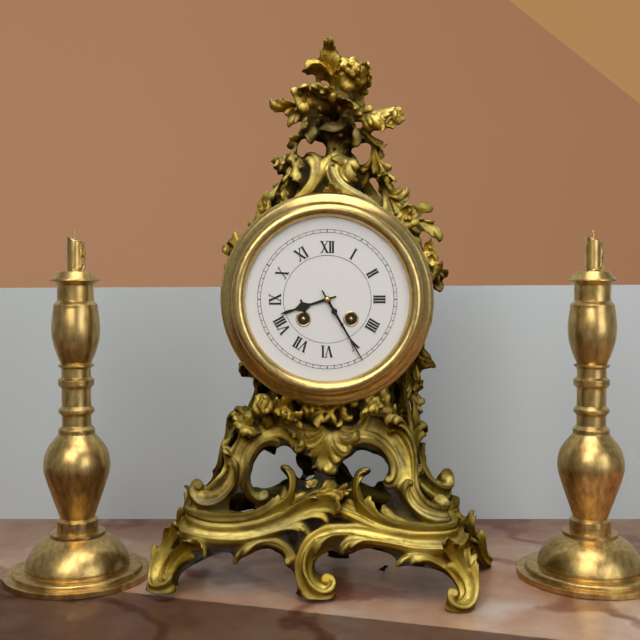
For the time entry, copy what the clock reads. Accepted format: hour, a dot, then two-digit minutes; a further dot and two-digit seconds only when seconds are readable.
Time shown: 8.25
